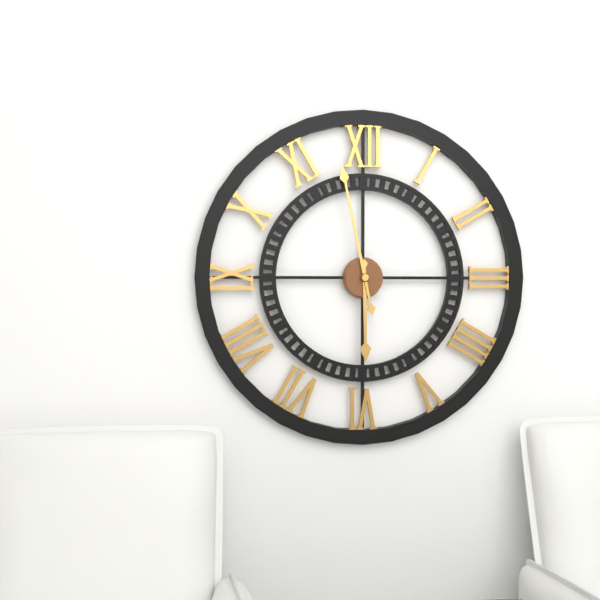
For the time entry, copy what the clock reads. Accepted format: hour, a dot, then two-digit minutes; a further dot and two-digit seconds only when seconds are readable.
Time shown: 5.58
